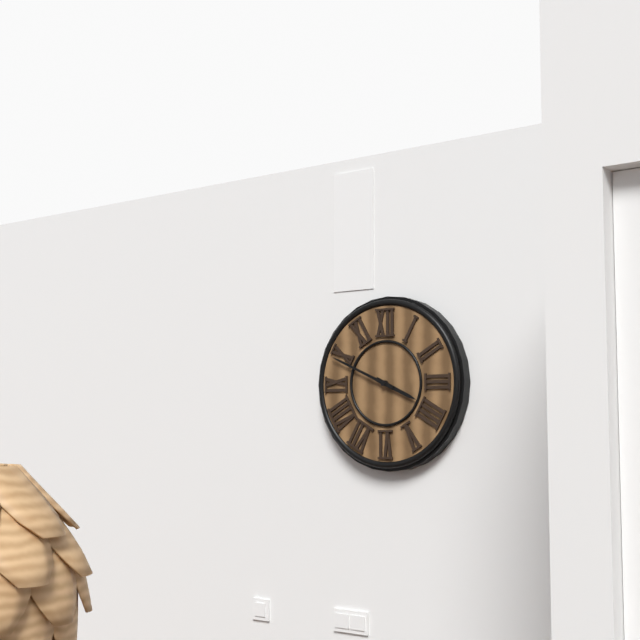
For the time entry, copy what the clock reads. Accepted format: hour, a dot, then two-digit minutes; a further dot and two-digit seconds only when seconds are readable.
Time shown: 3.49
